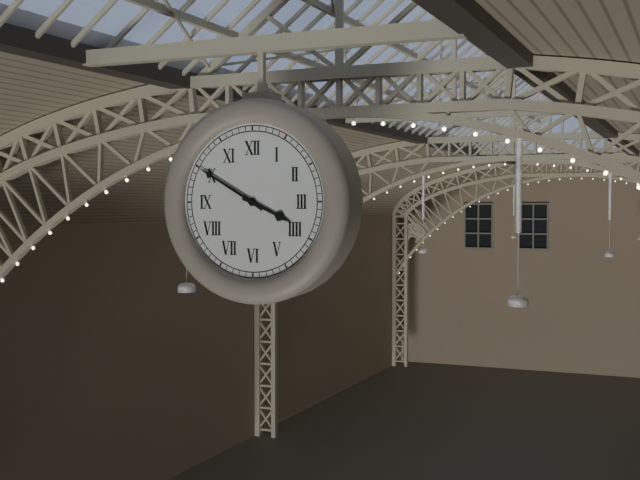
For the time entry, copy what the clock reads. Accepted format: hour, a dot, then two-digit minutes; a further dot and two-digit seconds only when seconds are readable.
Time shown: 3.50
